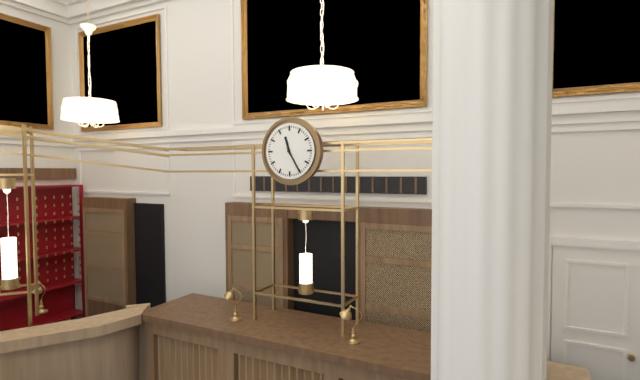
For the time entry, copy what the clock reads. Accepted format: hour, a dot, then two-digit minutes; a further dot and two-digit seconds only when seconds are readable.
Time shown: 11.25
